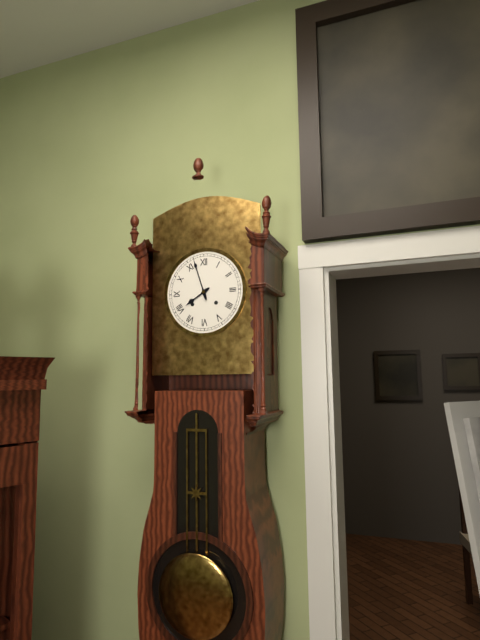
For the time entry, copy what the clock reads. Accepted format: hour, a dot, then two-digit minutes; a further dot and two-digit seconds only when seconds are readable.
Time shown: 7.57
